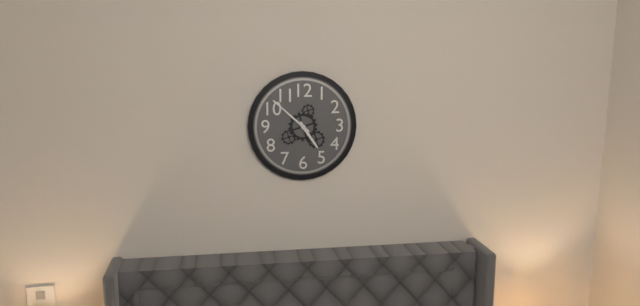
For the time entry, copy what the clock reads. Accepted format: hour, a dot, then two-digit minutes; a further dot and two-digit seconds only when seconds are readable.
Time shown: 4.52
